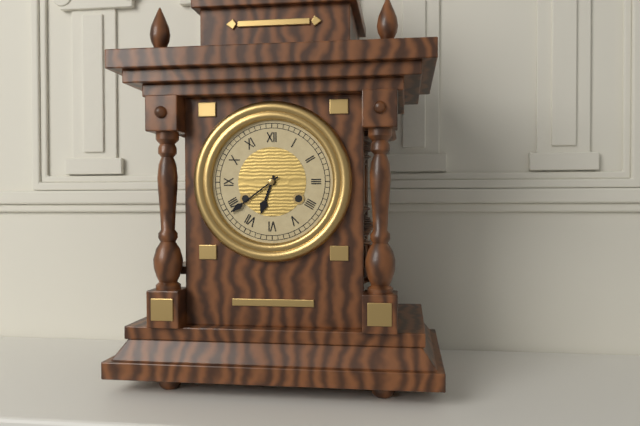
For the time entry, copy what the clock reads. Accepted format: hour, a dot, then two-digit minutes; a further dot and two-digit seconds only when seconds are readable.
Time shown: 6.39
